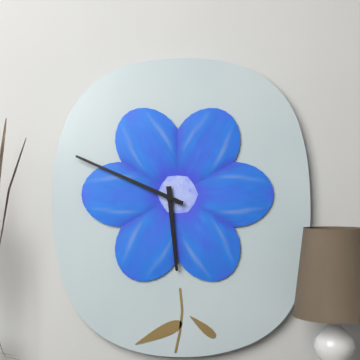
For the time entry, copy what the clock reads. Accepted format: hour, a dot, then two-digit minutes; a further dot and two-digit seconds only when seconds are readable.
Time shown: 5.49
